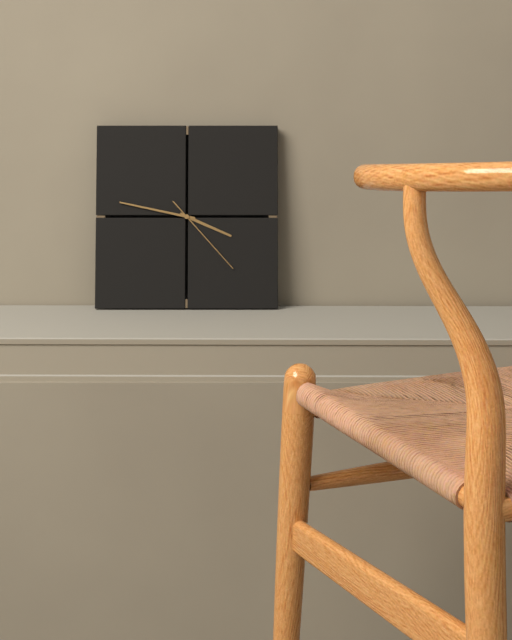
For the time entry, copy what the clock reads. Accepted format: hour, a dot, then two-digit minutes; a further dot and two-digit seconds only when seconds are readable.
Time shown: 3.47.23
